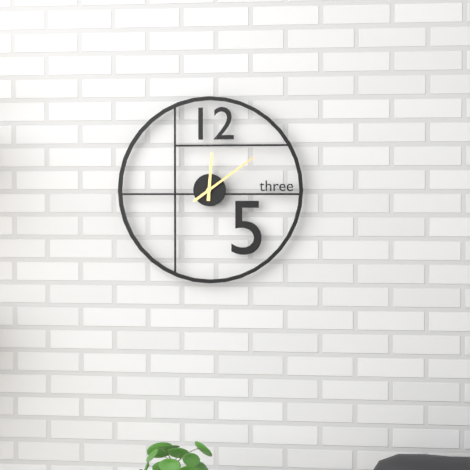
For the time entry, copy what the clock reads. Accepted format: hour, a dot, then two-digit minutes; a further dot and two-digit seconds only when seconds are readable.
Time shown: 12.09
